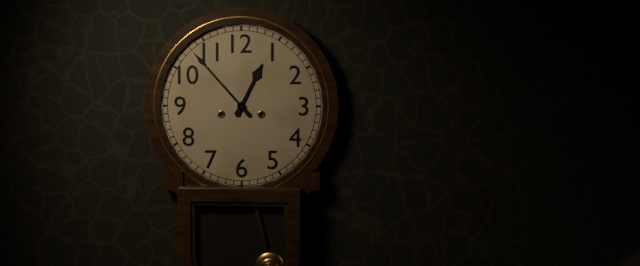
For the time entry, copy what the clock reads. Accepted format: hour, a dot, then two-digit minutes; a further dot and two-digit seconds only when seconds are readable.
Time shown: 12.53
